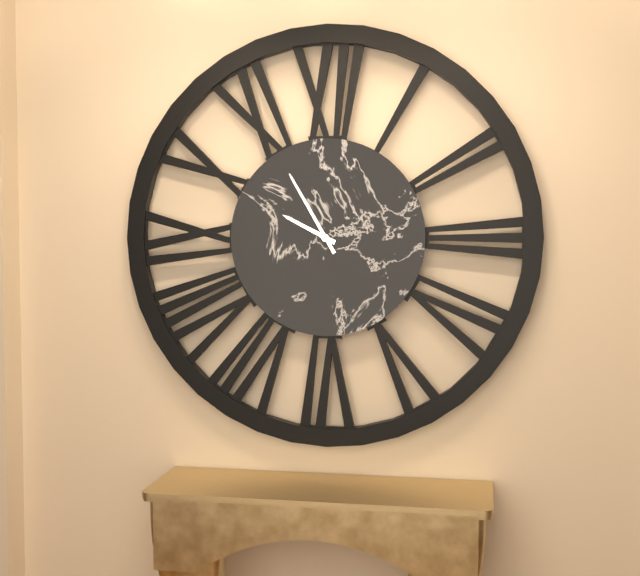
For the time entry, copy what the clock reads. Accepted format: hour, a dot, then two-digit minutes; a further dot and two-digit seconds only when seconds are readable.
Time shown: 9.55
